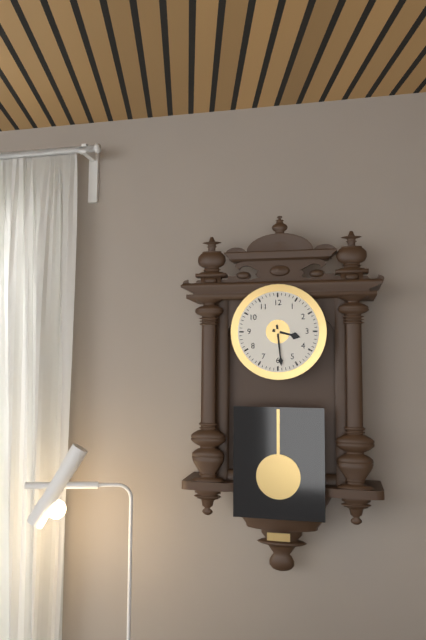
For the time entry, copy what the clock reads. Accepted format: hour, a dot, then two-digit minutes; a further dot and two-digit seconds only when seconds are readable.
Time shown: 3.29
